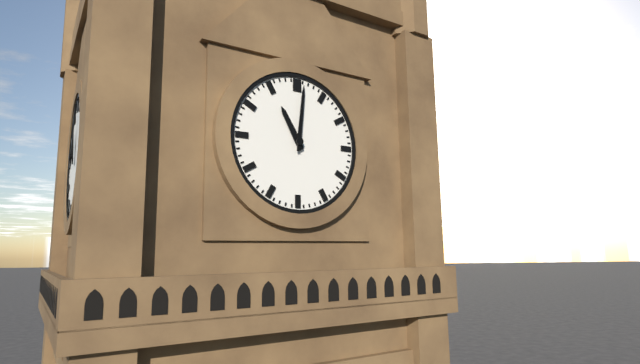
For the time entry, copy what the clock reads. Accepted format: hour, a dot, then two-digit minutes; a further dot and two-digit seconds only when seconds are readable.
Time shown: 11.01
